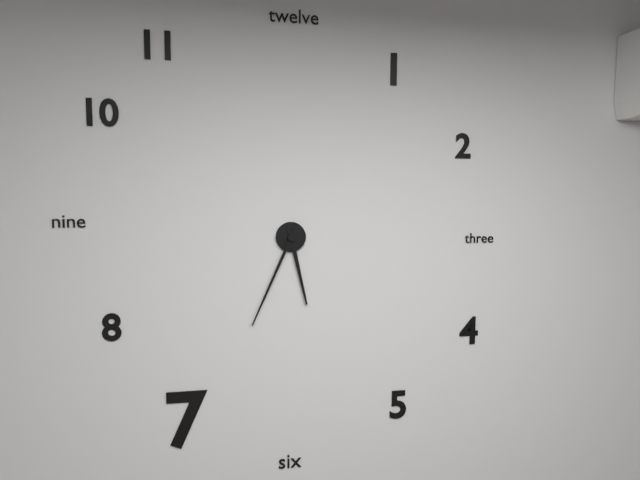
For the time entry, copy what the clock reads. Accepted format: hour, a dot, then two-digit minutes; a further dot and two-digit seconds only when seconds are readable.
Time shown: 5.34
